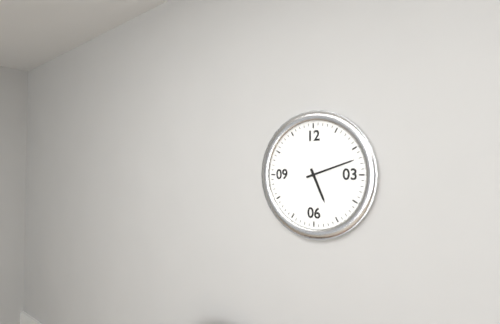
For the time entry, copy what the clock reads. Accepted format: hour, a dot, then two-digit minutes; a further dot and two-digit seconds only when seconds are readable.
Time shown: 5.12
